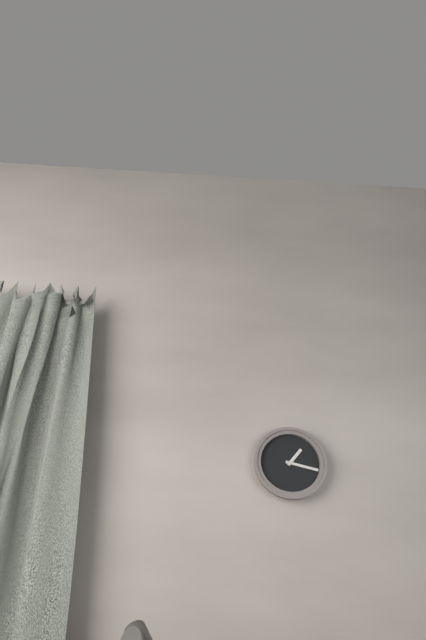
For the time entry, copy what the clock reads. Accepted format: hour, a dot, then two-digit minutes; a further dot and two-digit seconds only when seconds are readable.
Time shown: 1.17
